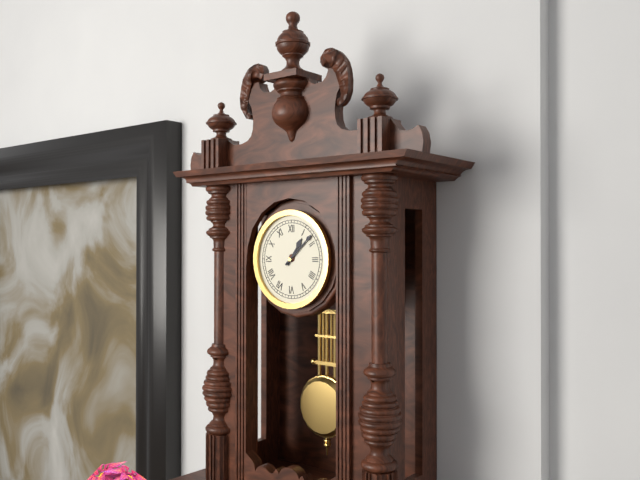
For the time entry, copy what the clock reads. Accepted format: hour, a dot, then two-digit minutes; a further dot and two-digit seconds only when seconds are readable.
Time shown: 1.08
